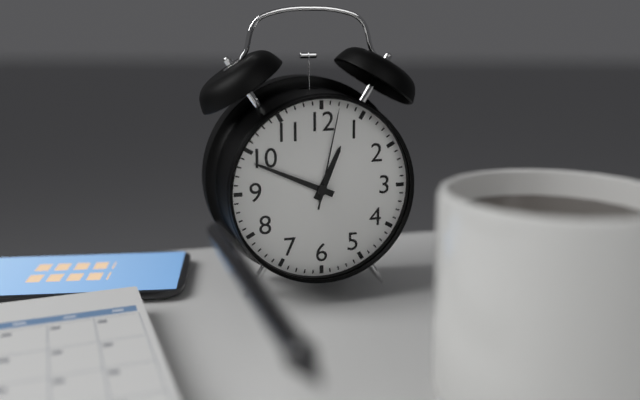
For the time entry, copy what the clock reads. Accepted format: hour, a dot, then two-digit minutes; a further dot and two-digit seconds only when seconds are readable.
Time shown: 12.49.02
